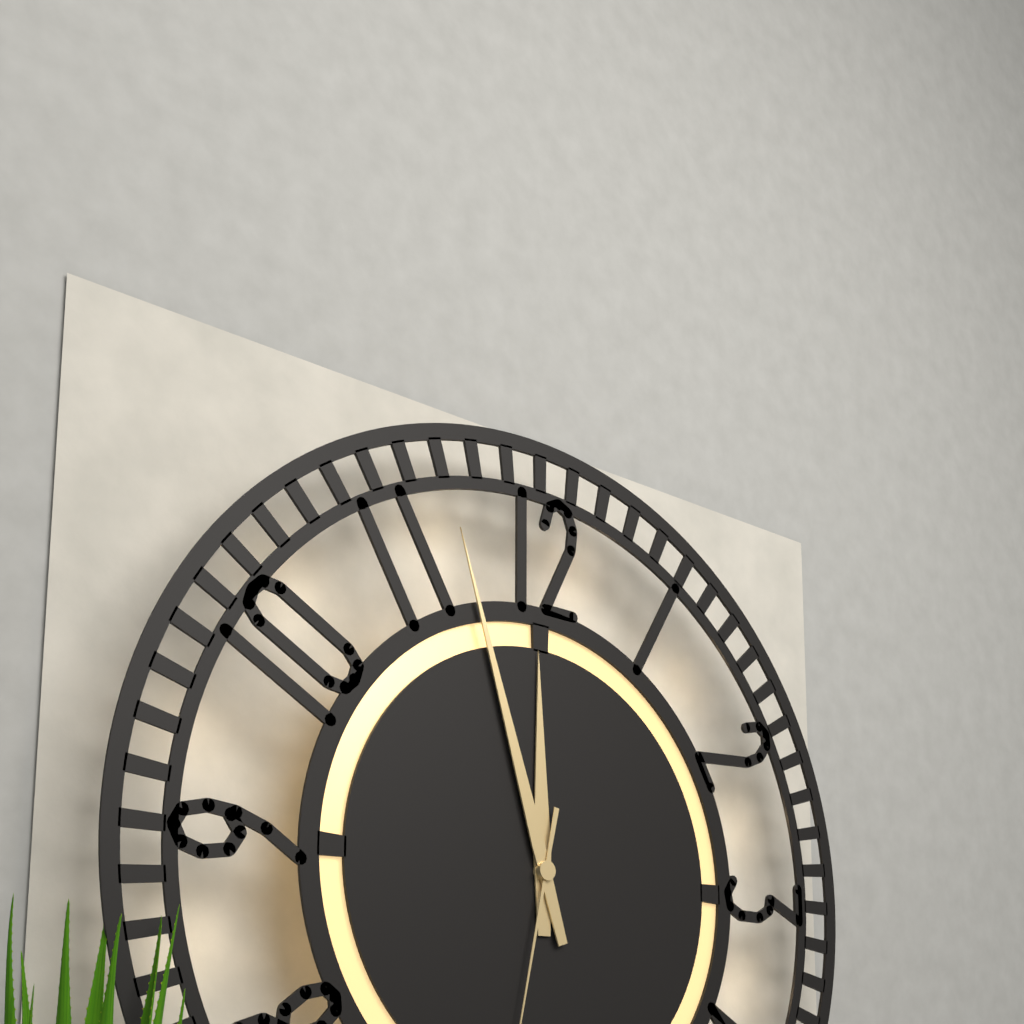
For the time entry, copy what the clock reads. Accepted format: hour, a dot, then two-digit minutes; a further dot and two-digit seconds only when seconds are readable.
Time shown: 11.57
